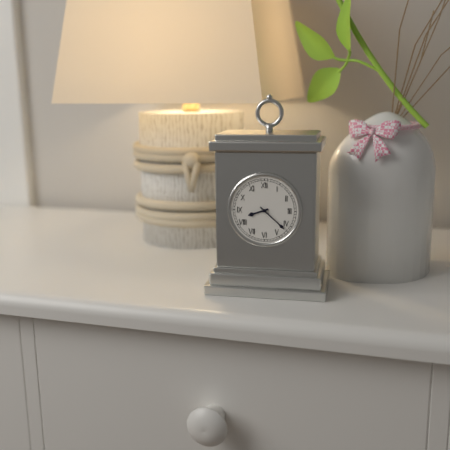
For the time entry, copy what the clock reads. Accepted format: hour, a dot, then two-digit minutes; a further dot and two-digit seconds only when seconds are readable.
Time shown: 8.22
